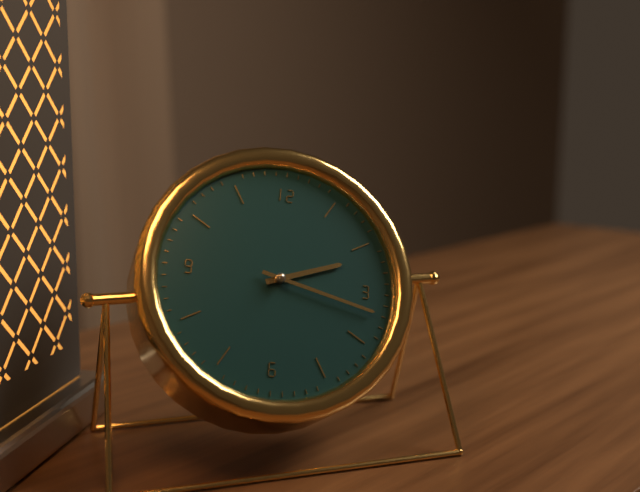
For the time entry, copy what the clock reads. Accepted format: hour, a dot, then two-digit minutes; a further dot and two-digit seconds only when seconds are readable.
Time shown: 2.17
